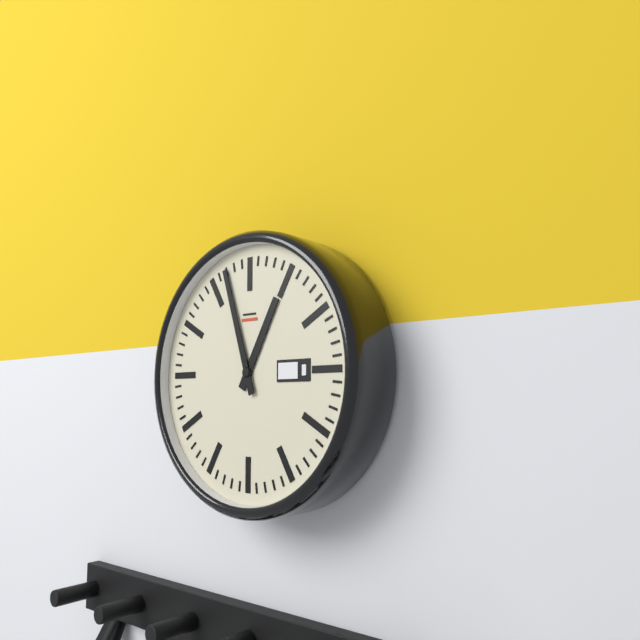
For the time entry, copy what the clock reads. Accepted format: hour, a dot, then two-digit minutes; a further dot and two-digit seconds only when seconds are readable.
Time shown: 12.57
